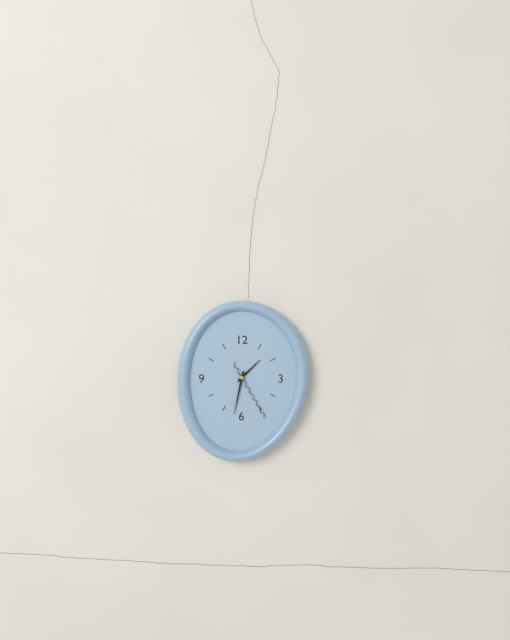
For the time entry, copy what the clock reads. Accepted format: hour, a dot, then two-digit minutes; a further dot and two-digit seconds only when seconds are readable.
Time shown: 1.32.25
